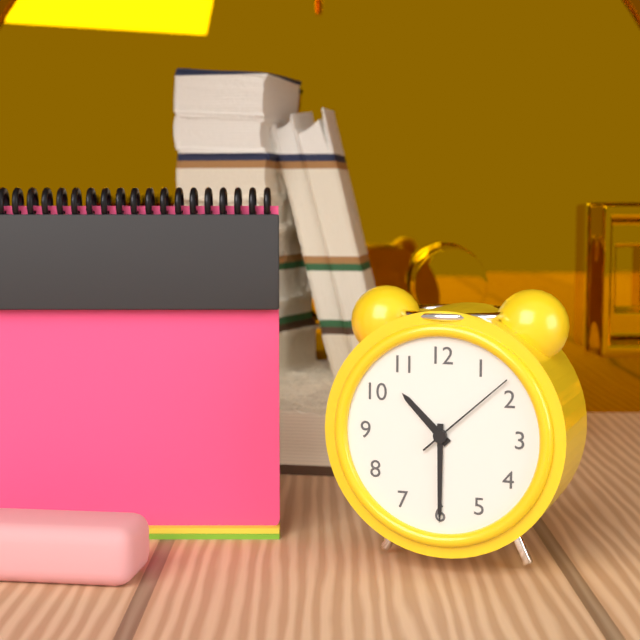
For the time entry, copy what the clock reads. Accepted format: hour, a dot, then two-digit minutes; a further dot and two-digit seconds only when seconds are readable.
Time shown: 10.30.08
